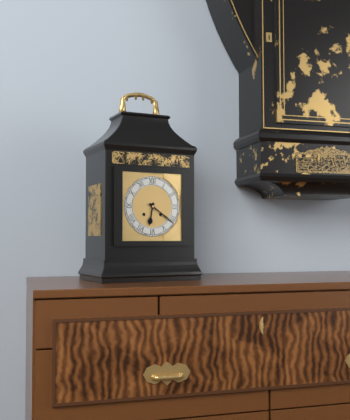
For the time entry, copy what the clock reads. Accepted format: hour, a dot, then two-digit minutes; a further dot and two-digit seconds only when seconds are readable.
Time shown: 6.21
